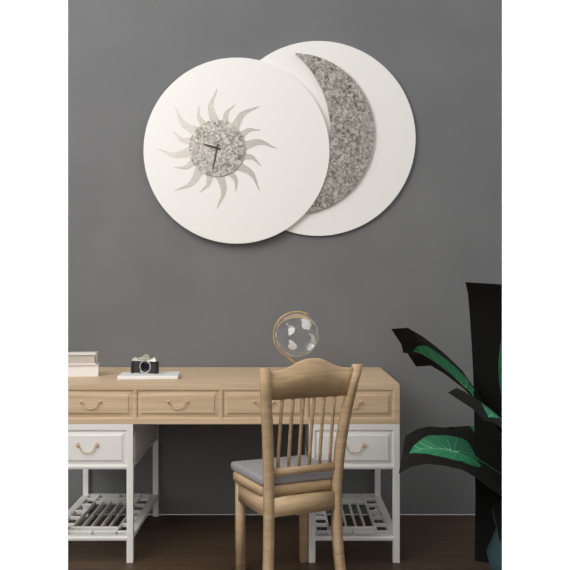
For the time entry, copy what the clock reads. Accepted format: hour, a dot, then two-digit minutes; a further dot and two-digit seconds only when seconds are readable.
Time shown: 9.32
